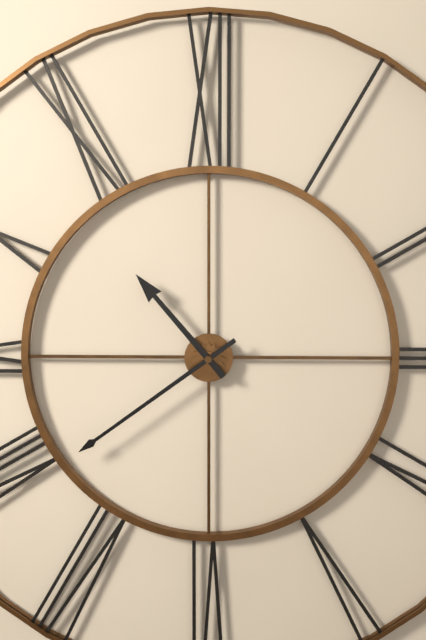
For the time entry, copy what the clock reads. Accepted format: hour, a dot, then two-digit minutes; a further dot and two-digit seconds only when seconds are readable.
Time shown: 10.39
